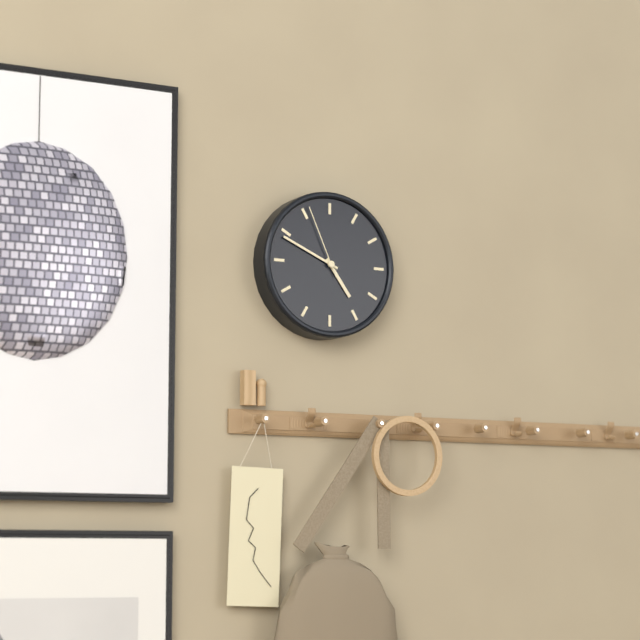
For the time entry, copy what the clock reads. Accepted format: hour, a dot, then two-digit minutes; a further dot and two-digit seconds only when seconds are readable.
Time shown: 4.49.56
